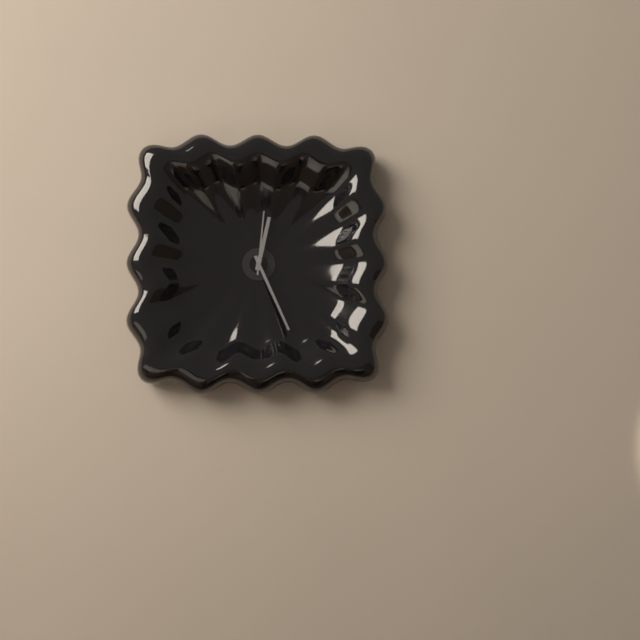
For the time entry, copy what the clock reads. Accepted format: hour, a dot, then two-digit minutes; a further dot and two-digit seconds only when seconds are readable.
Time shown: 12.26.01
